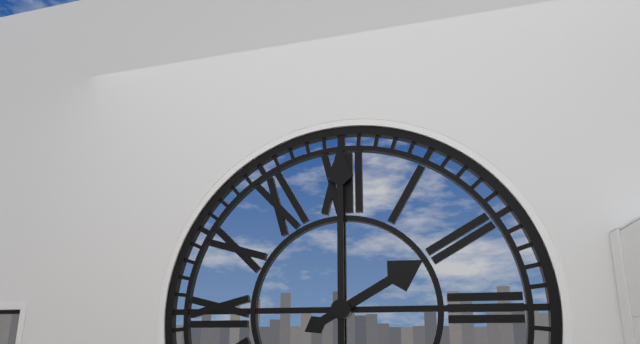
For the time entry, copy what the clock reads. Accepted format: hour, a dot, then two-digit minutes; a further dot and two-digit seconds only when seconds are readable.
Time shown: 2.00
